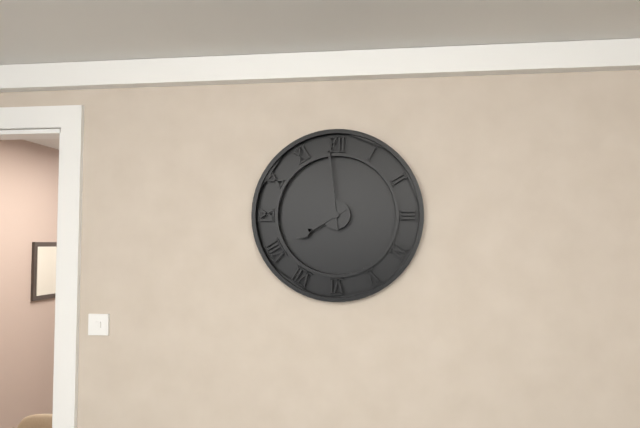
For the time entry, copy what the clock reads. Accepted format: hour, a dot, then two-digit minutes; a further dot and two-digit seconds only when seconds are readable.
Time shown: 7.59
